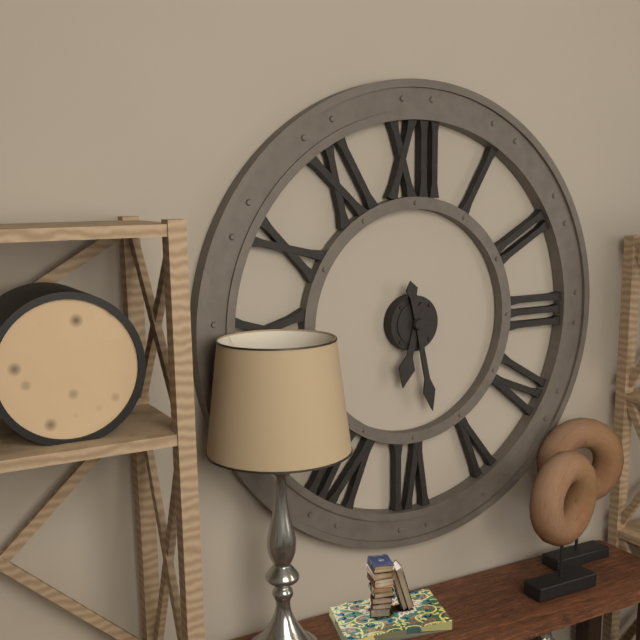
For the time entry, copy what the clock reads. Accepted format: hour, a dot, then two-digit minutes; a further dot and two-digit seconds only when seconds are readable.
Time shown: 6.28
